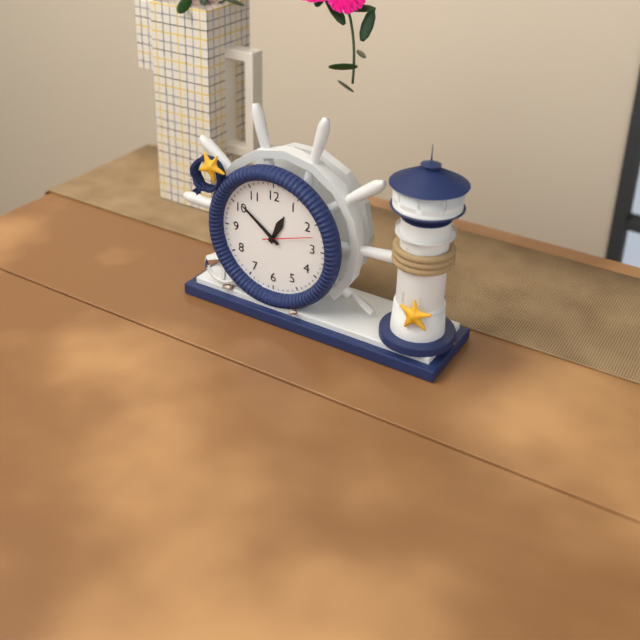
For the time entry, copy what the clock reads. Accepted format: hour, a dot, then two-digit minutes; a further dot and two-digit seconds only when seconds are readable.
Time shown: 12.51.12
